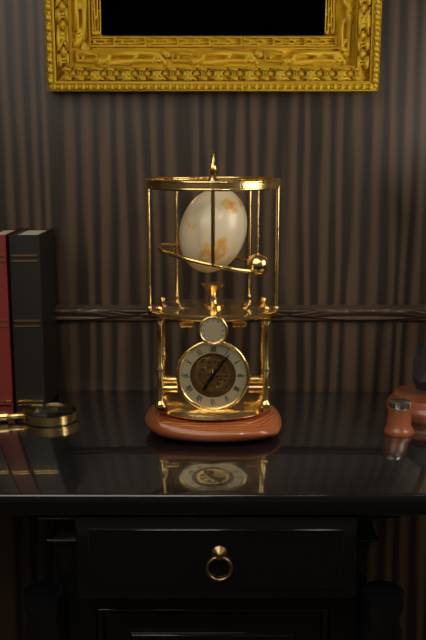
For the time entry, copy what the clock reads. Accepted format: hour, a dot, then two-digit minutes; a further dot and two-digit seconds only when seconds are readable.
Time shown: 7.06
